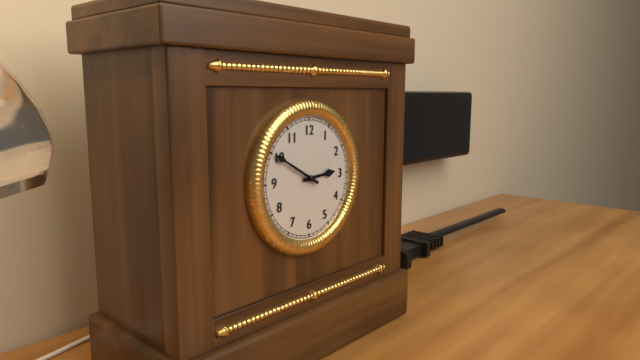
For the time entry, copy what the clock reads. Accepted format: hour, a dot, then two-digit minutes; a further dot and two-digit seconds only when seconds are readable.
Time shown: 2.50
